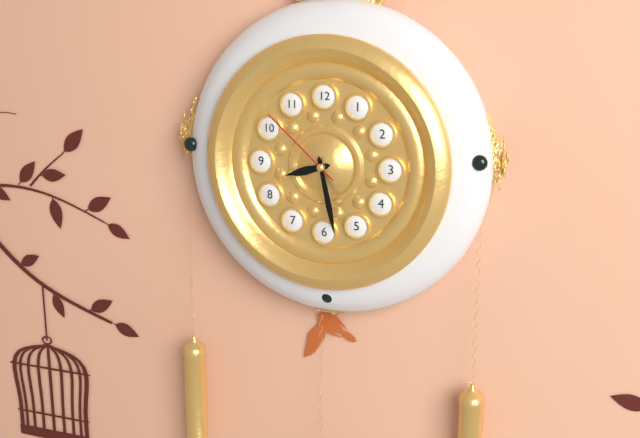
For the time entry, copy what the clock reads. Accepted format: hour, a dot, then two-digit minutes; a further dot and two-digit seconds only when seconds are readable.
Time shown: 8.28.52
